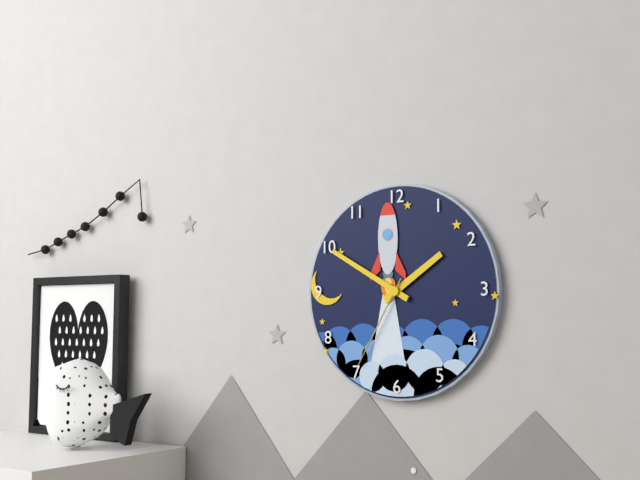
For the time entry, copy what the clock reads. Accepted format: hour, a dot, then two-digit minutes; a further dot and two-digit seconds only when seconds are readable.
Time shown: 1.50.35
